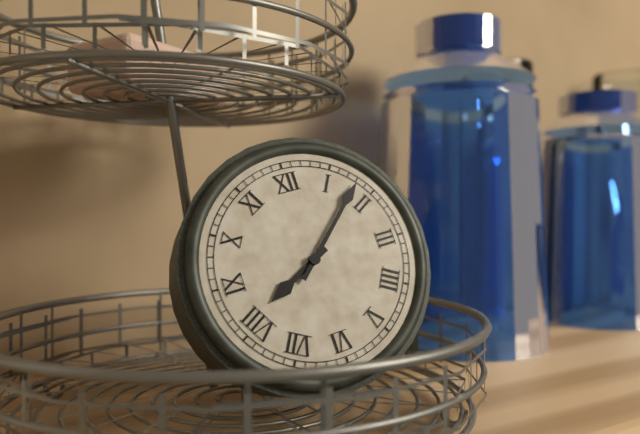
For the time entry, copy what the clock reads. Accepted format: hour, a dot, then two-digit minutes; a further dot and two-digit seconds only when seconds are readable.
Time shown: 8.08
